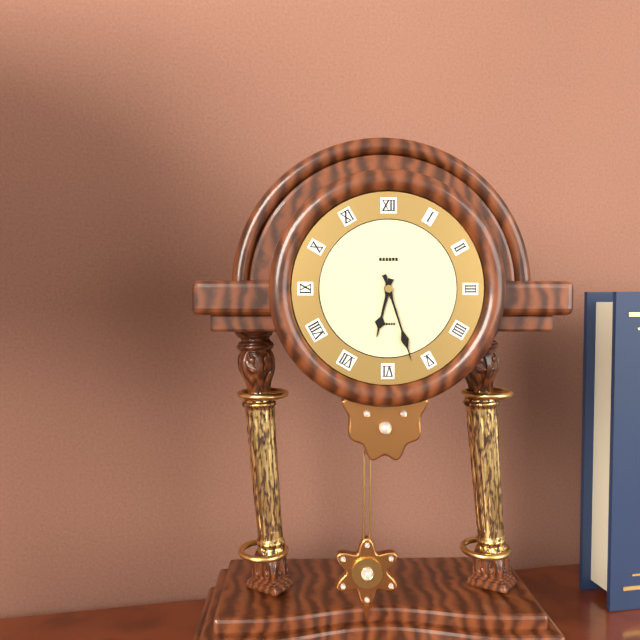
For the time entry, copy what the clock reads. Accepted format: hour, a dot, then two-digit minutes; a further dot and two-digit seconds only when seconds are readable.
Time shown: 6.27
